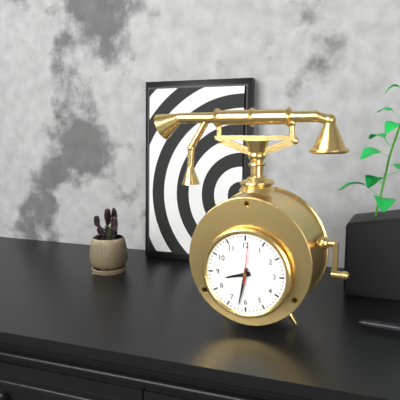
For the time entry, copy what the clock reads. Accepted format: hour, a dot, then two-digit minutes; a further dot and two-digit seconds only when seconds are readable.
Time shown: 8.32
